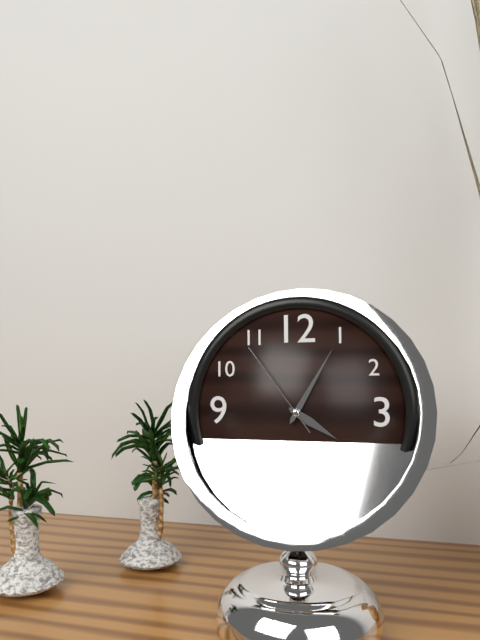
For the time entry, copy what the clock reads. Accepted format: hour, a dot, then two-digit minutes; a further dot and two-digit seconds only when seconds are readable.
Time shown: 4.05.54
